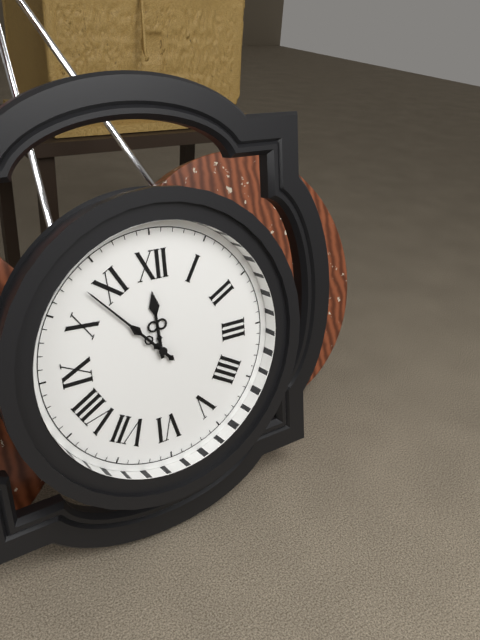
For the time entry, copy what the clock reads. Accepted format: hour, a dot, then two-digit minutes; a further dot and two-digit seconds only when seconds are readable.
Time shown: 11.53
